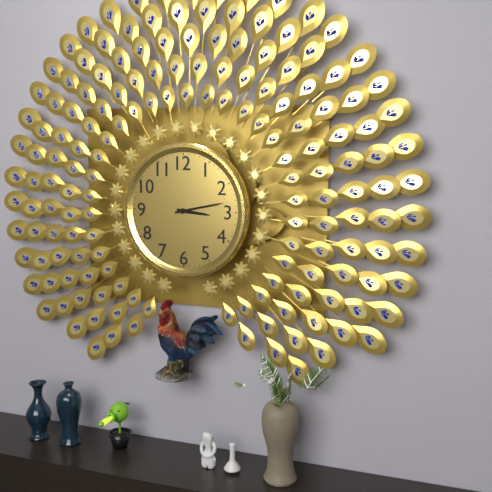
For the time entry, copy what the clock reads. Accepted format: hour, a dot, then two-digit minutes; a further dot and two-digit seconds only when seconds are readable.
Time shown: 3.13
